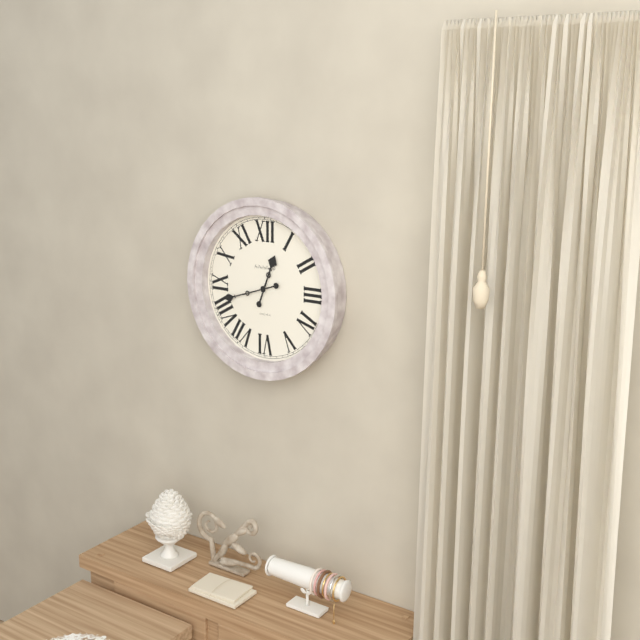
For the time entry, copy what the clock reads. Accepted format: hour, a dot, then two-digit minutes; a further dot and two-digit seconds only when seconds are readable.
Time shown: 12.42
